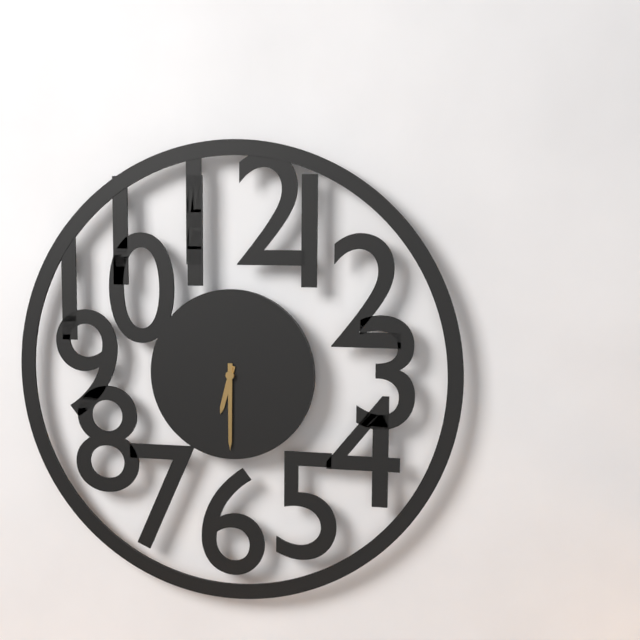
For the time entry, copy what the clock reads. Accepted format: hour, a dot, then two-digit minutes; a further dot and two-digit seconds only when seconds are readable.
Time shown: 6.30
